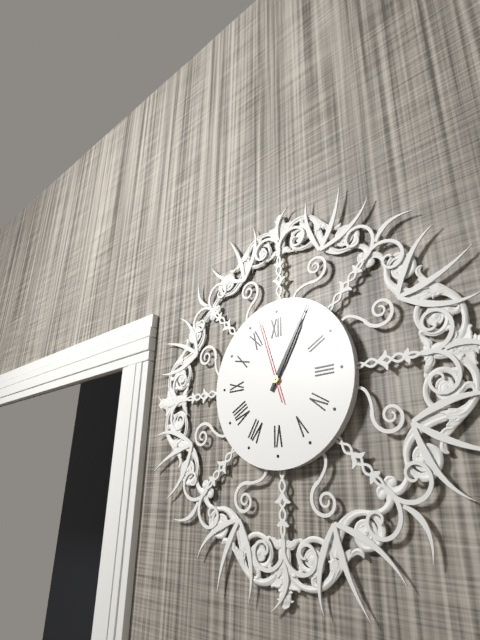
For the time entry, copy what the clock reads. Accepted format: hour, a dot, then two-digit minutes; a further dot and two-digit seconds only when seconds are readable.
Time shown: 1.05.57
